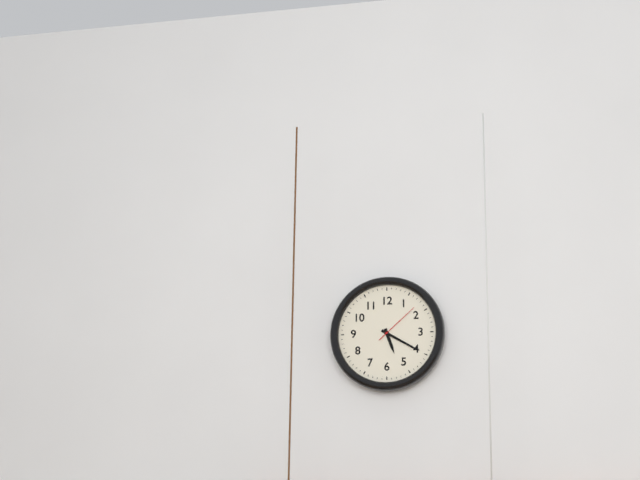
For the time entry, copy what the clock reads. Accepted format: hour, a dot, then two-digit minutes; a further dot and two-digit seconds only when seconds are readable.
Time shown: 5.20
